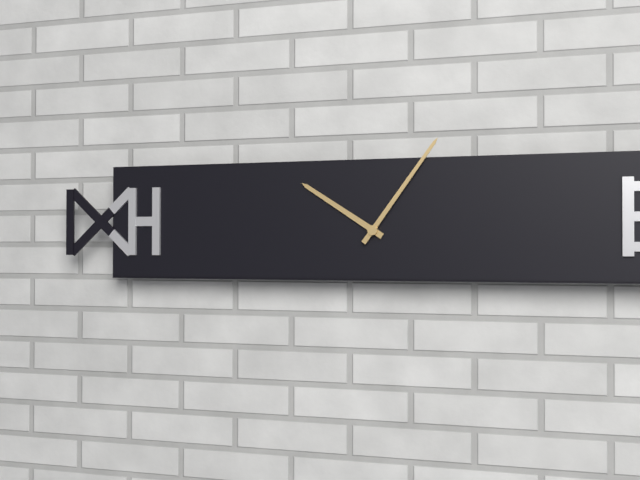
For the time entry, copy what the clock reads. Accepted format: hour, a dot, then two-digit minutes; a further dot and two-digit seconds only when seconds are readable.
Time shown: 10.06
